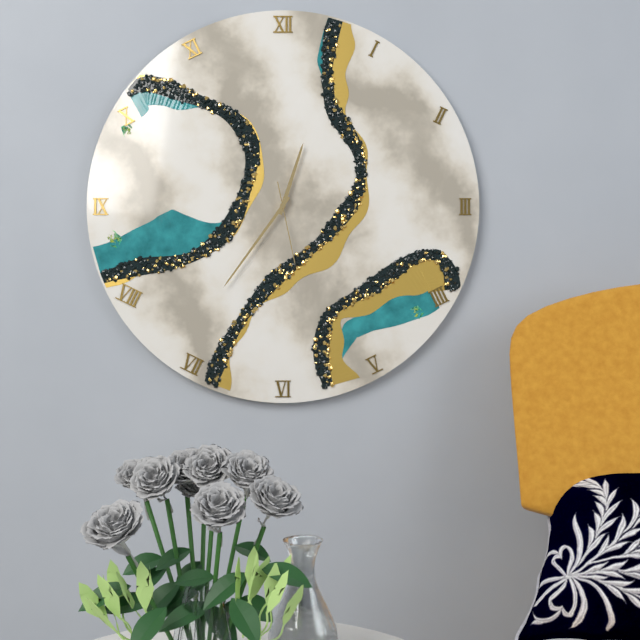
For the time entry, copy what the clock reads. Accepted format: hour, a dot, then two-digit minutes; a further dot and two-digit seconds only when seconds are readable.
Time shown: 12.36.28
